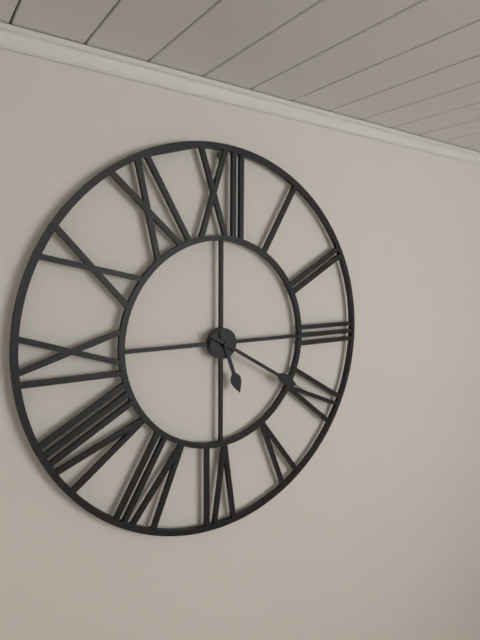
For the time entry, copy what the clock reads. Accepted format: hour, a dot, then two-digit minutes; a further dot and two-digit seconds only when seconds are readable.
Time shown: 5.20
